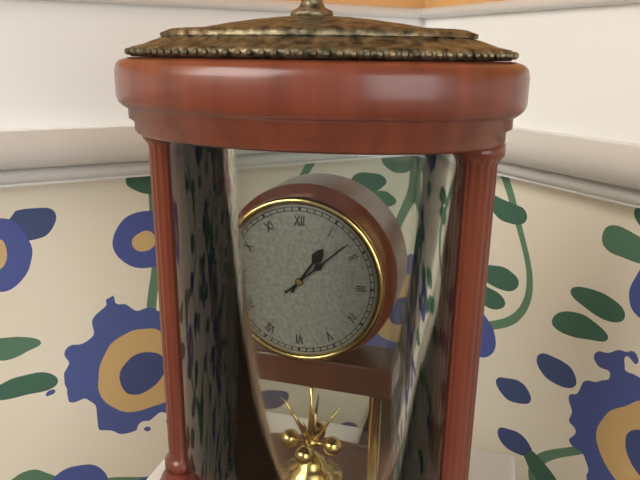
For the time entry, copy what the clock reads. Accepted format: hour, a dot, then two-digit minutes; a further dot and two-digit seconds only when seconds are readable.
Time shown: 1.08
